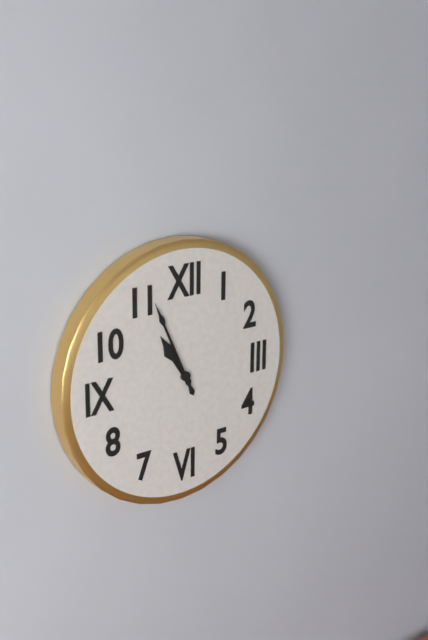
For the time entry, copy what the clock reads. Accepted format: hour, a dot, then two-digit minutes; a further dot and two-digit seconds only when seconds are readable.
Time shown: 10.56
